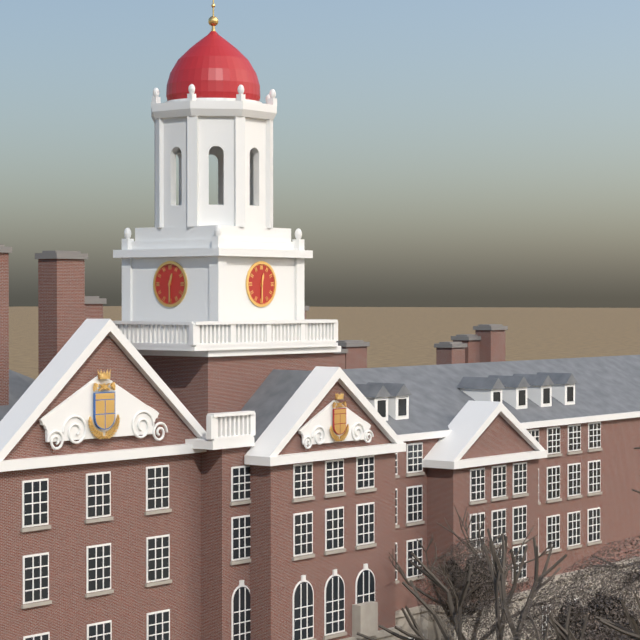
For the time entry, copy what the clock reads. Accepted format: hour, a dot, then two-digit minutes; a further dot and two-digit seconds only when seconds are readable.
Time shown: 12.30
